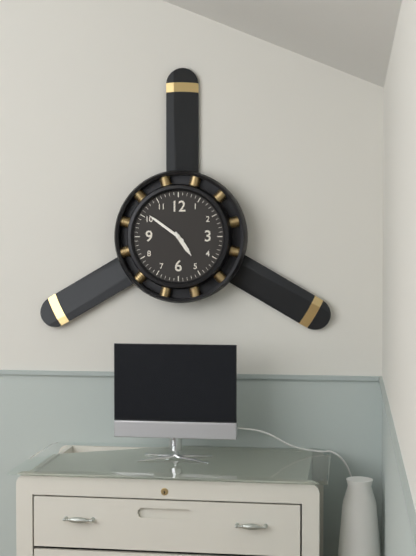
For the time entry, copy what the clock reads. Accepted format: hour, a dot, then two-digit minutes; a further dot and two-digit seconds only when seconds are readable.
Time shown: 4.51
